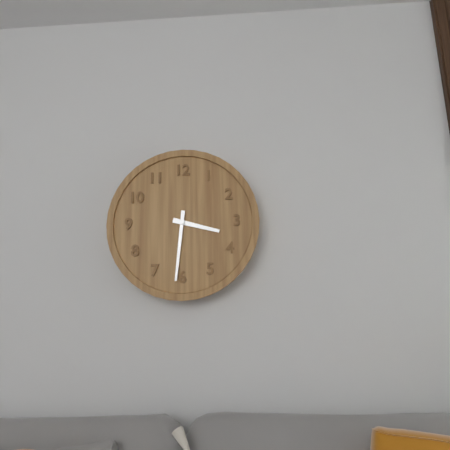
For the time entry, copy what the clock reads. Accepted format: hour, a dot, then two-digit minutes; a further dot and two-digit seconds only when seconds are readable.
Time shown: 3.31
